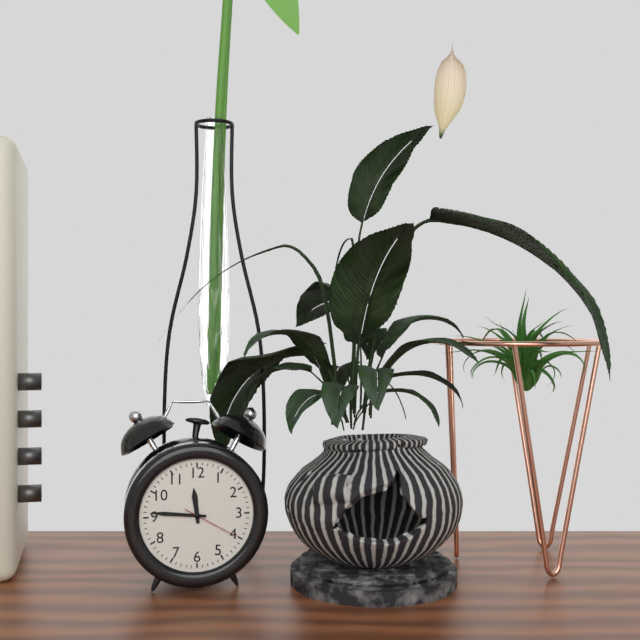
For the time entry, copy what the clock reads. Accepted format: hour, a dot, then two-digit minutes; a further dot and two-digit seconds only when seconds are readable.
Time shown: 11.46.20
